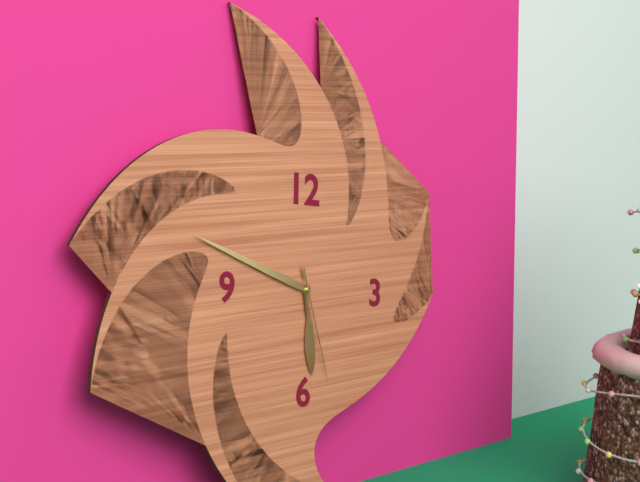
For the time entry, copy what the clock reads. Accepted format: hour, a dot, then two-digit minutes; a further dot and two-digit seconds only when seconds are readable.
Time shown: 5.48.27
